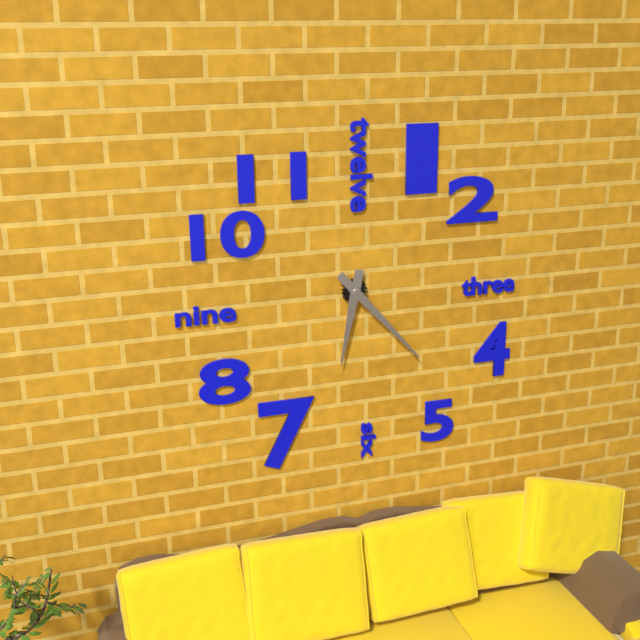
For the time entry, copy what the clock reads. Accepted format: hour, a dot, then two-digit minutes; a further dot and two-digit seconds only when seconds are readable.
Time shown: 6.23
